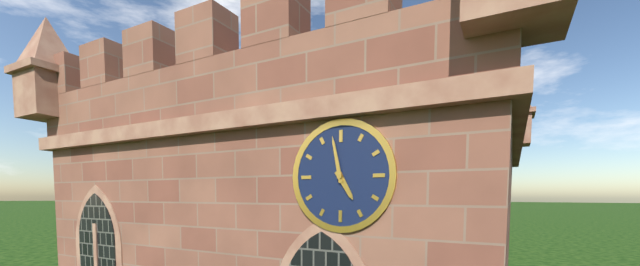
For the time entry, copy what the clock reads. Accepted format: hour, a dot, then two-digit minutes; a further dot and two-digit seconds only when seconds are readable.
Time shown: 4.58
